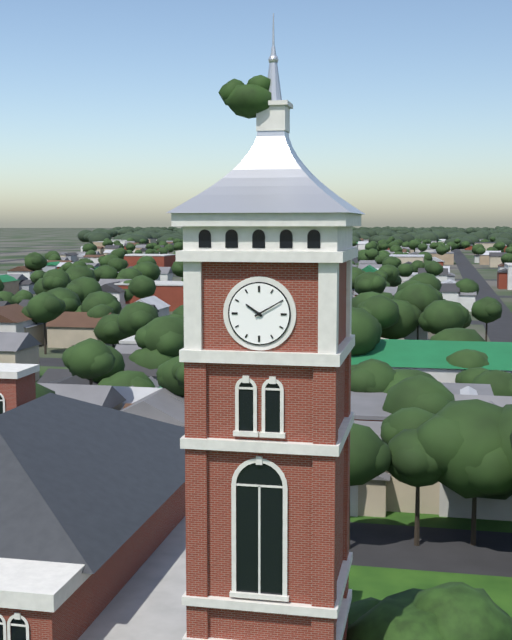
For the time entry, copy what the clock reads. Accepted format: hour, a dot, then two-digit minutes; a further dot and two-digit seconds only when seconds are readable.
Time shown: 10.10
